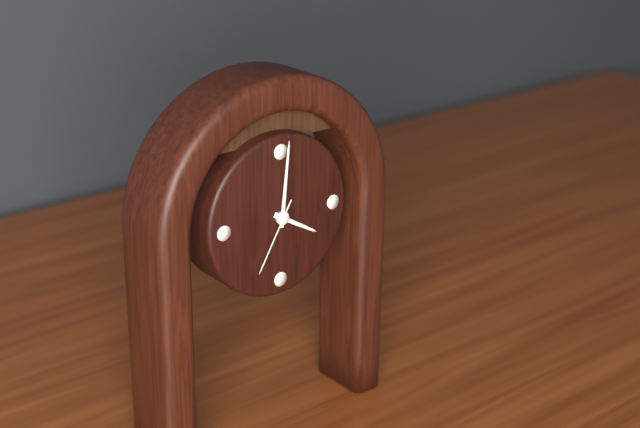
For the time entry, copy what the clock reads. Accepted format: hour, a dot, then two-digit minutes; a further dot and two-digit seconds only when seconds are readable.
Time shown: 4.01.35
